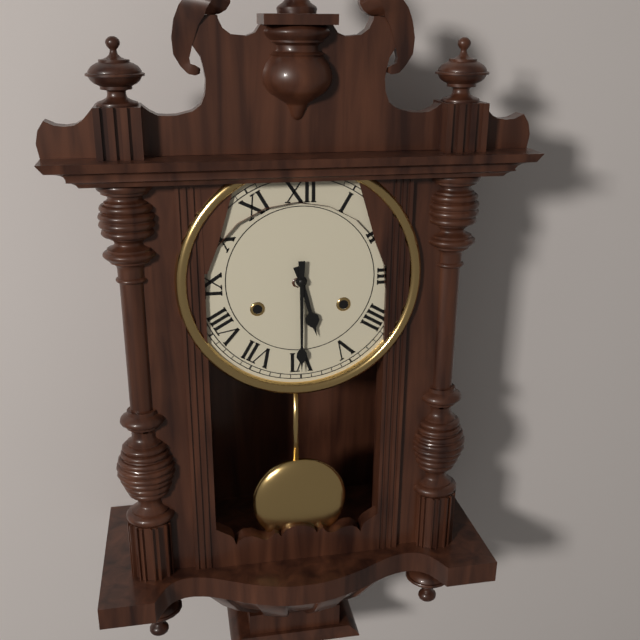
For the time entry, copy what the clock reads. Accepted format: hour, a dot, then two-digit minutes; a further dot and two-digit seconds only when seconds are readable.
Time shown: 5.30
